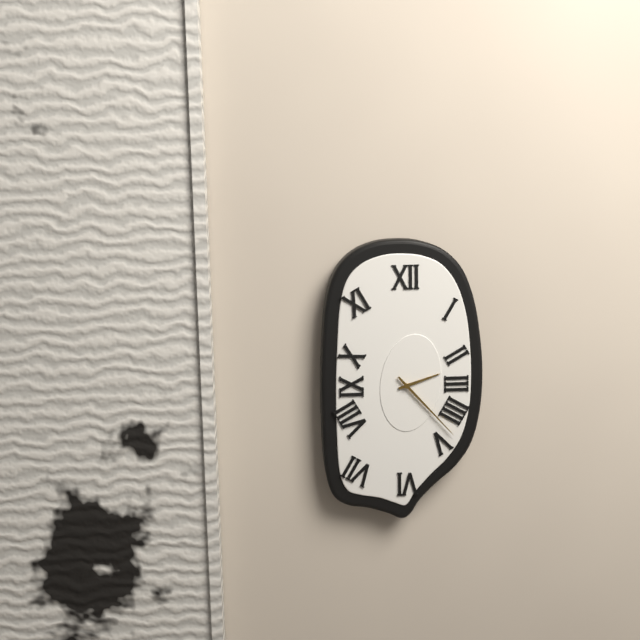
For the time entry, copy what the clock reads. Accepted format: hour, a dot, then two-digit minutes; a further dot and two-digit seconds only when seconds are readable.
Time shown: 2.23
